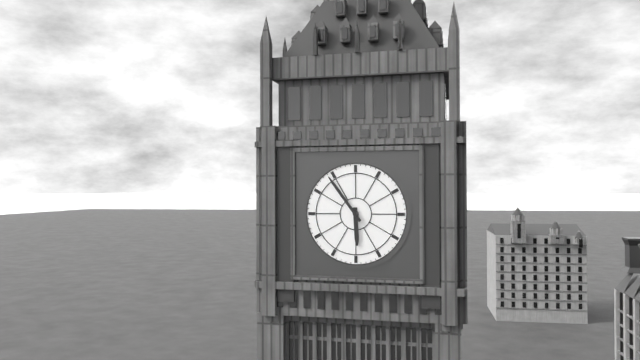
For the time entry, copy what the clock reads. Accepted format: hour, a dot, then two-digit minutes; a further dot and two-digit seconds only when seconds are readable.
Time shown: 5.54
